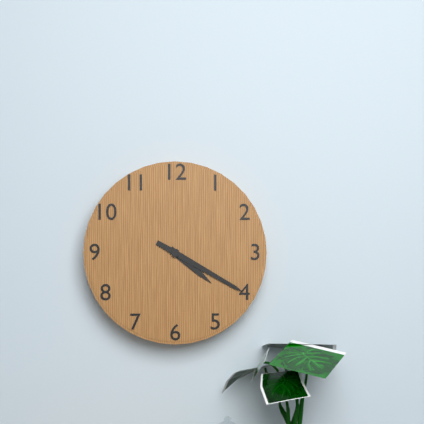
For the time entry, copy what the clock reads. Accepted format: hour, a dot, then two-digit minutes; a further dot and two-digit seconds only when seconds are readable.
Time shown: 4.20
